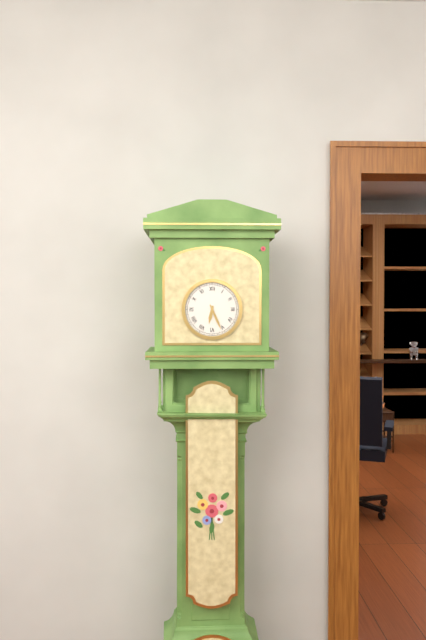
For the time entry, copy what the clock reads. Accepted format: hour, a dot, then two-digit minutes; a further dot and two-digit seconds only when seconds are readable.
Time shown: 6.26
